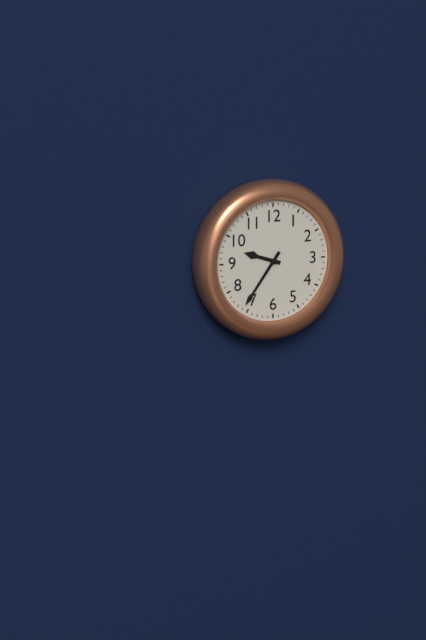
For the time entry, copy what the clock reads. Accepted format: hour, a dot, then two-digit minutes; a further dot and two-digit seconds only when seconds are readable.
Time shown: 9.36
